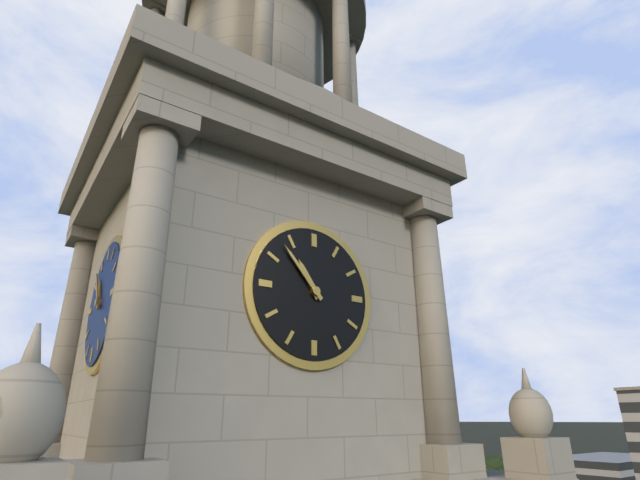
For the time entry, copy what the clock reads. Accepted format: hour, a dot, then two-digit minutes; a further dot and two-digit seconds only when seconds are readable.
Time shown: 10.53
